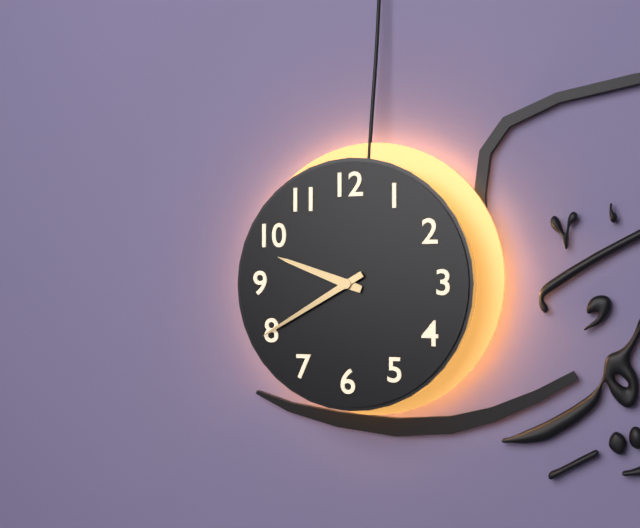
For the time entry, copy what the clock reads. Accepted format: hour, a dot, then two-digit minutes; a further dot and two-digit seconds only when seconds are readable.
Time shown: 9.40
